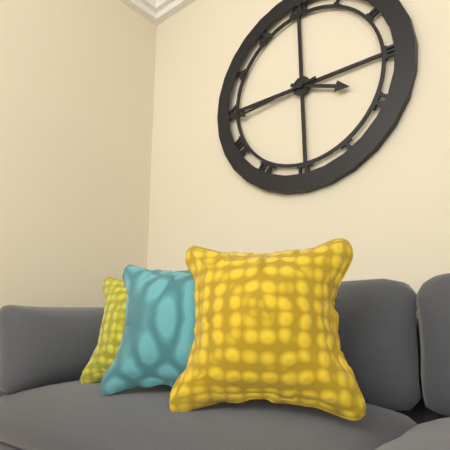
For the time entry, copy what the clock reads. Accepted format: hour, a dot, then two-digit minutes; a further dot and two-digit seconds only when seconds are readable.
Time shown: 3.44
